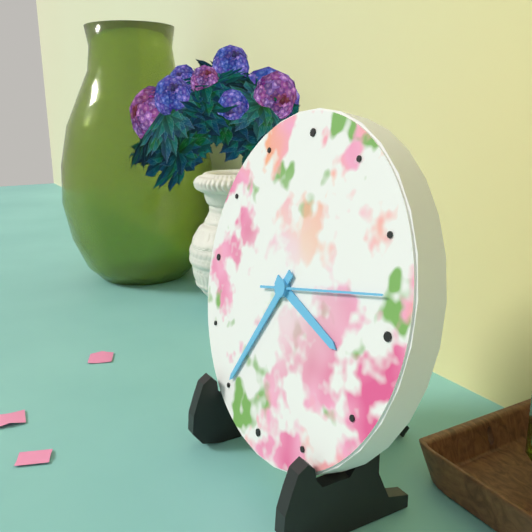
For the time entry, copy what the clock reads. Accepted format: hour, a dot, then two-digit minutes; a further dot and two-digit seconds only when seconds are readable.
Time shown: 3.35.13
